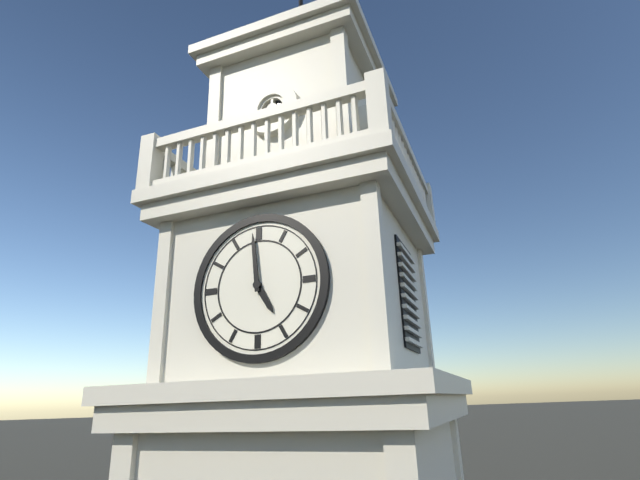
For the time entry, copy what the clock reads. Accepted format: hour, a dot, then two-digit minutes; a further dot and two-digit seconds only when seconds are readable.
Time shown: 4.59
